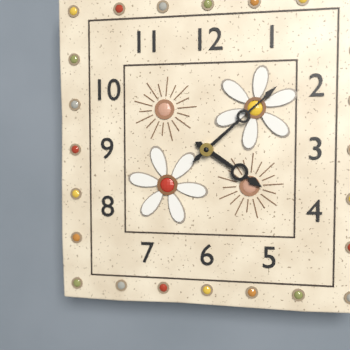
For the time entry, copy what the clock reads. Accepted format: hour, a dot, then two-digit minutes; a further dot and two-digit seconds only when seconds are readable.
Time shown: 4.08
